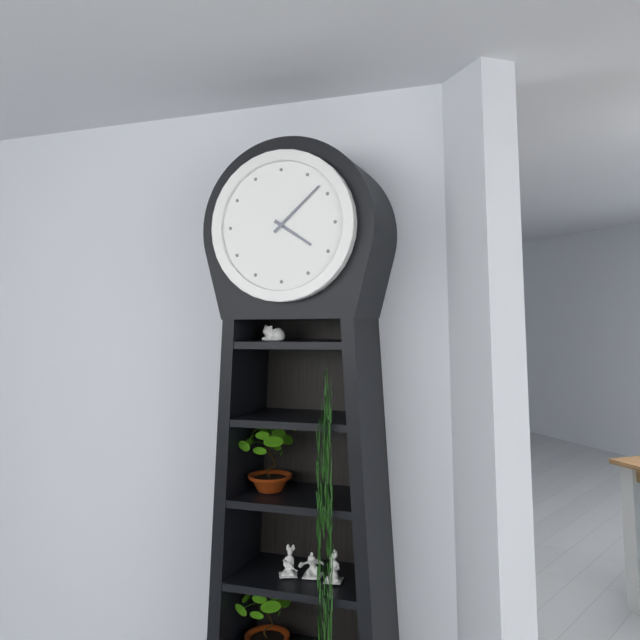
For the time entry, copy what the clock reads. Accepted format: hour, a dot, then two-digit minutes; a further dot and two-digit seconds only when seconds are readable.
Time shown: 4.08
